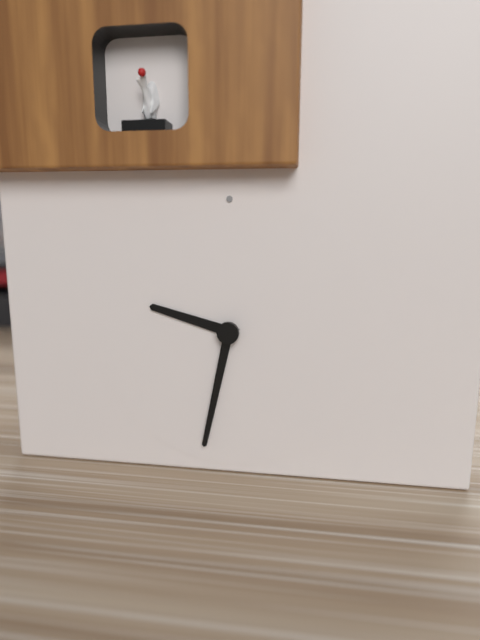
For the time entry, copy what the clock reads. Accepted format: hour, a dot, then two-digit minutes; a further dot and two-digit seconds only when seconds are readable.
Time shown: 9.32
